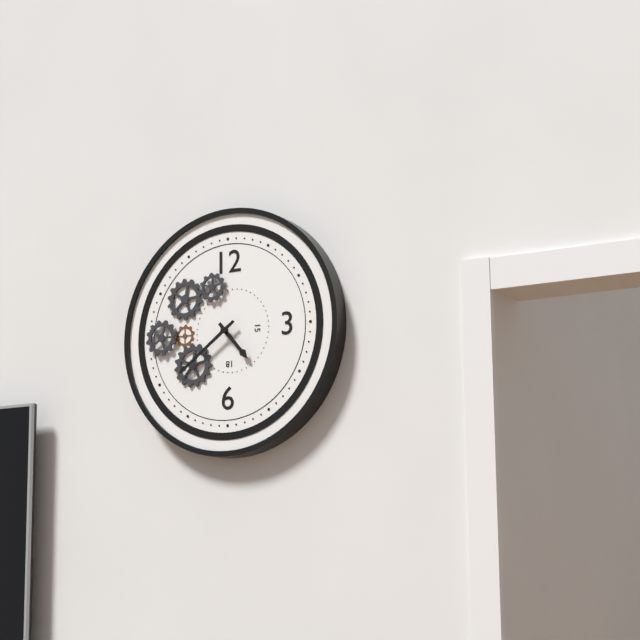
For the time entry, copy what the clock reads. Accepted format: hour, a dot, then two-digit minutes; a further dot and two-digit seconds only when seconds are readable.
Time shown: 4.39
